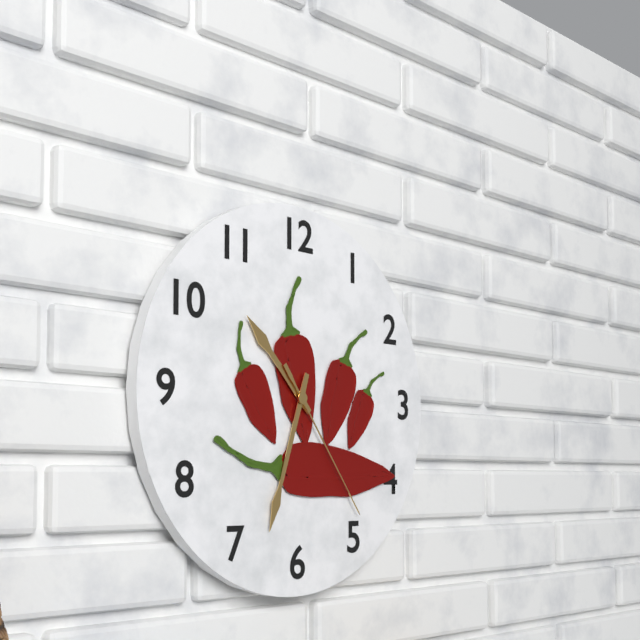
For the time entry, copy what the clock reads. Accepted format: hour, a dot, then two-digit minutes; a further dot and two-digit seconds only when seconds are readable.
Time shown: 10.33.24
